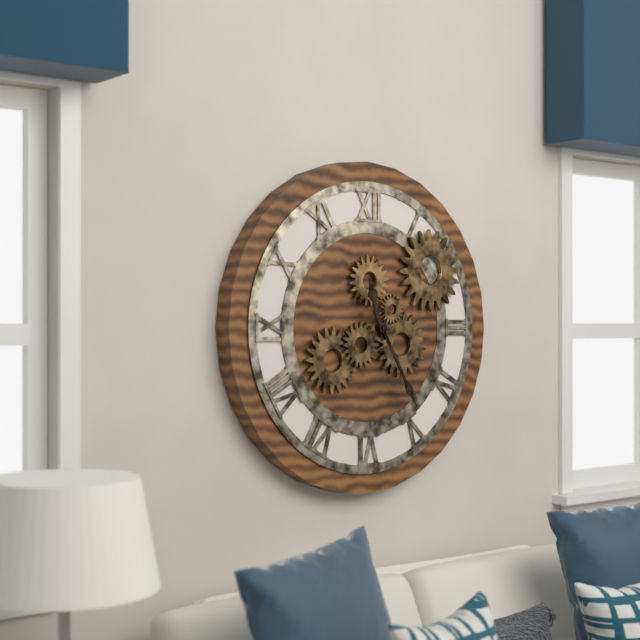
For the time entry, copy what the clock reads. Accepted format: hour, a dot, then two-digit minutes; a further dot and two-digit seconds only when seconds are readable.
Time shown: 11.25
